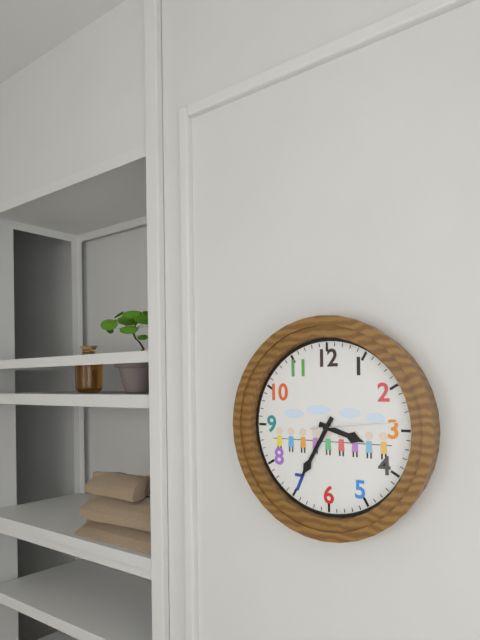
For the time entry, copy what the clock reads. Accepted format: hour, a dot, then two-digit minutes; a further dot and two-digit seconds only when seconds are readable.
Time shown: 3.35.14
